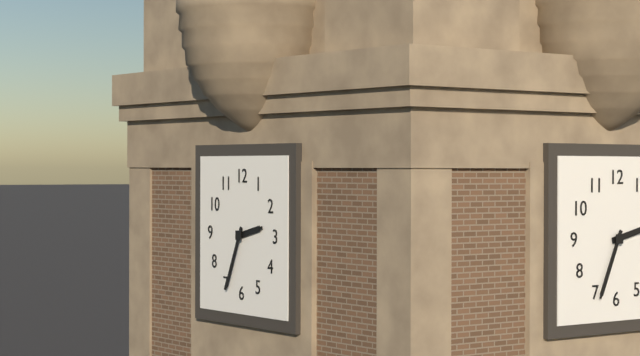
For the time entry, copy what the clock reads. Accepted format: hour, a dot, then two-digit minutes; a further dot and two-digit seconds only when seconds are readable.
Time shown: 2.34
